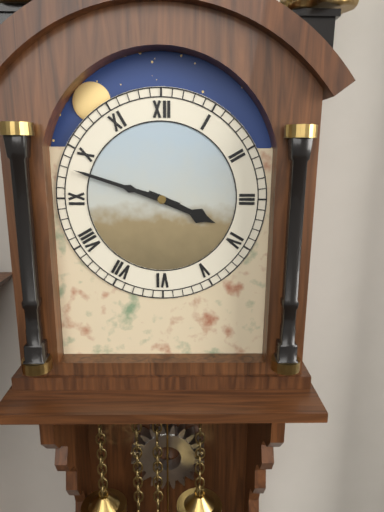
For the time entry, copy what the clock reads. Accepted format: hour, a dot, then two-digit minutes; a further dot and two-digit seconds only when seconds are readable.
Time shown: 3.48
